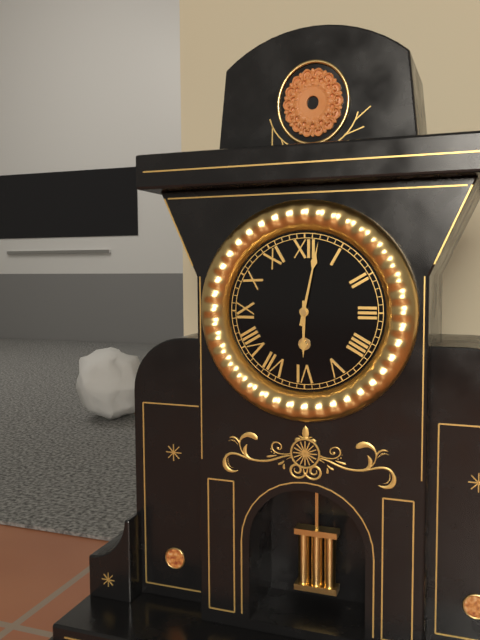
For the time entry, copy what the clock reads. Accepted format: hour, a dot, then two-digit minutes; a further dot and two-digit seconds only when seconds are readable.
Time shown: 6.02
